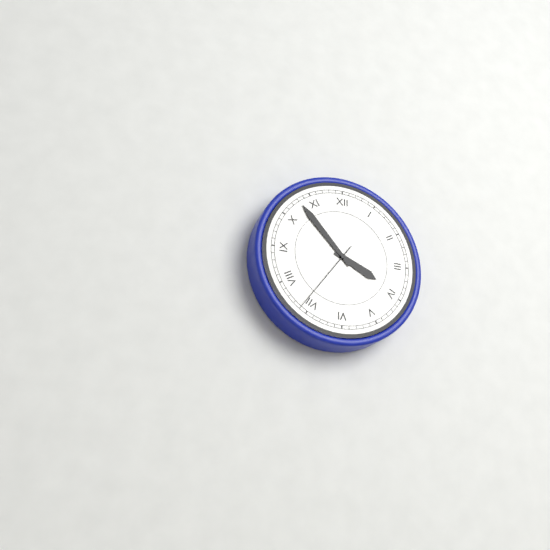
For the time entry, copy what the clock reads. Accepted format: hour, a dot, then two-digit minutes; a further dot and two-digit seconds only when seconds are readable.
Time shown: 3.53.36
